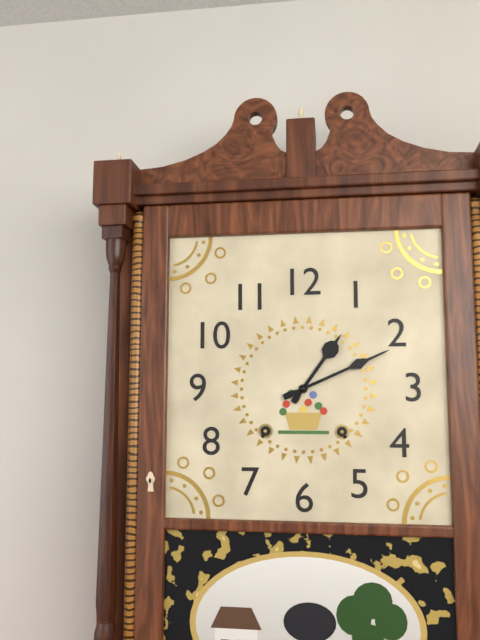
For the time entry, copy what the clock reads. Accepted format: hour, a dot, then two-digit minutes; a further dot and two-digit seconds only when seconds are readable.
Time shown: 1.11
